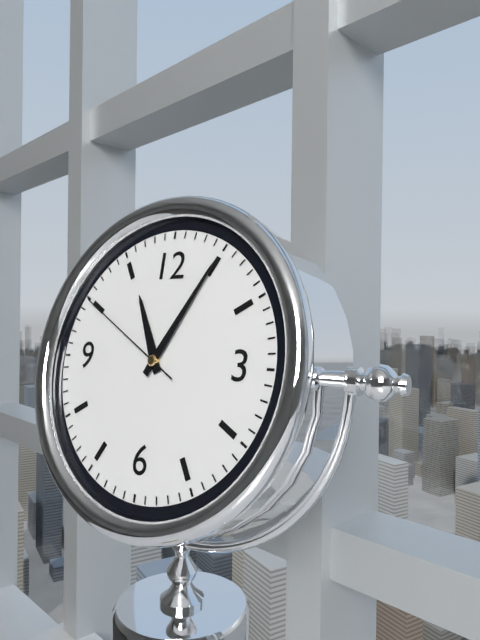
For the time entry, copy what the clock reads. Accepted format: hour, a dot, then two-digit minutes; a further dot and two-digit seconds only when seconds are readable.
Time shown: 11.05.50
